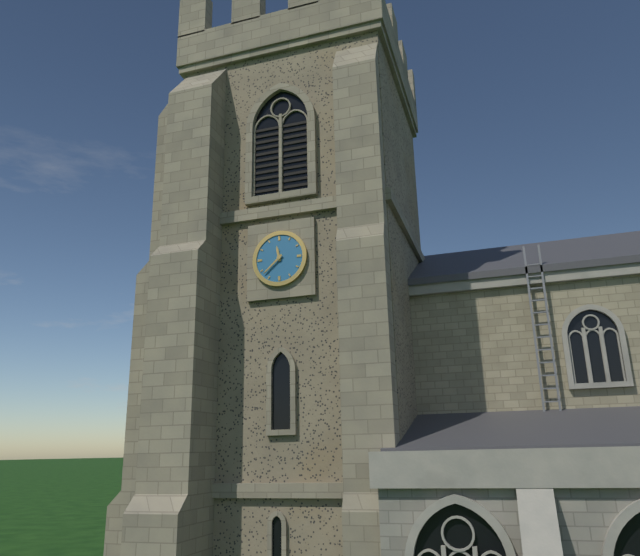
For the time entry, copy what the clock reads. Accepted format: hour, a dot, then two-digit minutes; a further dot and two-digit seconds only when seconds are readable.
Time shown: 11.38
